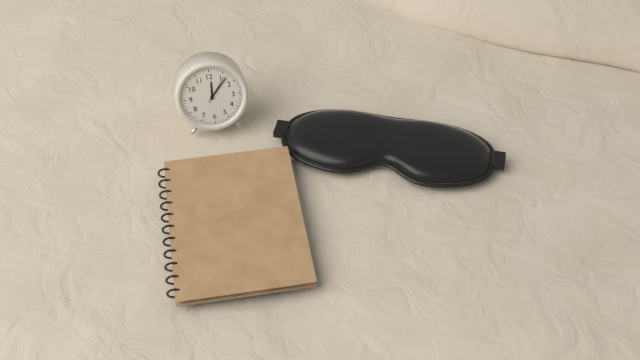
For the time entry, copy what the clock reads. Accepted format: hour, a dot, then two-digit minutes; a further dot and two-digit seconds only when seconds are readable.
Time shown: 12.07
